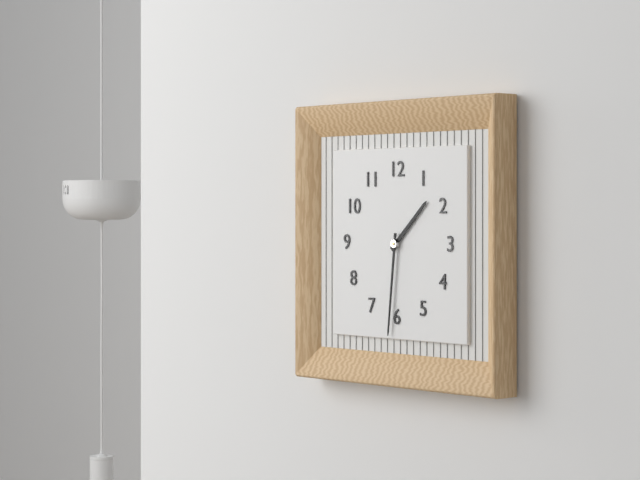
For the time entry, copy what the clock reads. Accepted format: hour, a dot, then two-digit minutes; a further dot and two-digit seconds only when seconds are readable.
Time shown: 1.31
